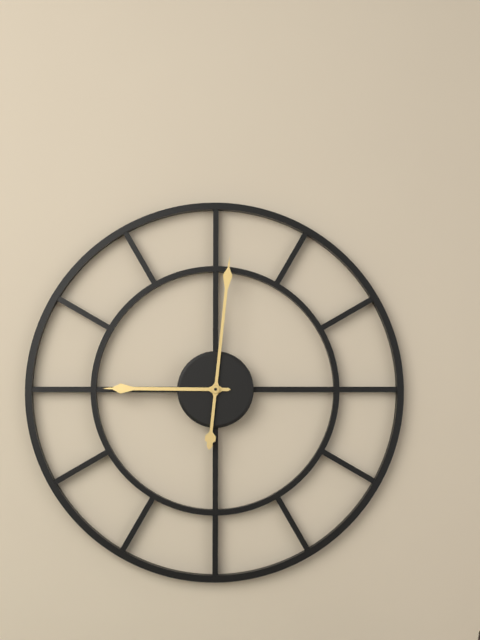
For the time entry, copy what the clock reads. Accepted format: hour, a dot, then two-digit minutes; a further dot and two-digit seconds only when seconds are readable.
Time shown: 9.01
